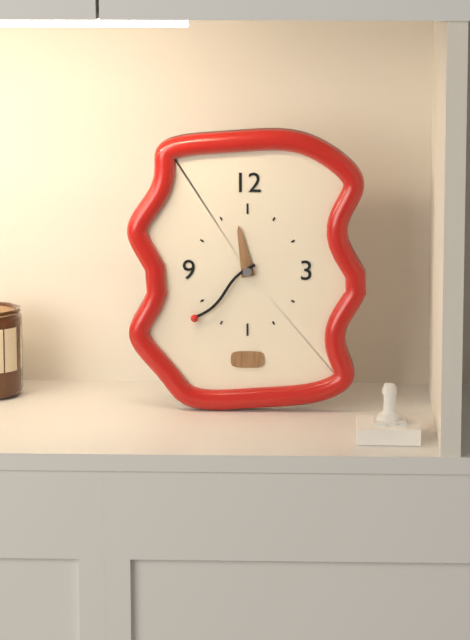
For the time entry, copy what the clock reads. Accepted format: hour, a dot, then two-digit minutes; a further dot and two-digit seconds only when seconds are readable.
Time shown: 11.38
